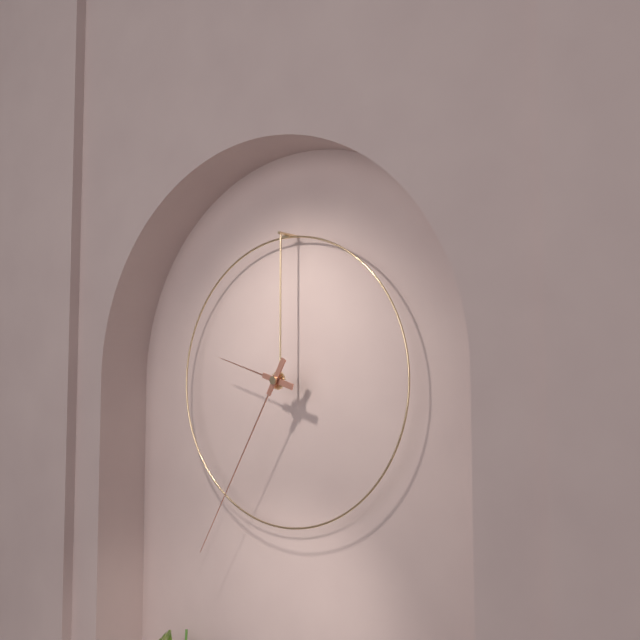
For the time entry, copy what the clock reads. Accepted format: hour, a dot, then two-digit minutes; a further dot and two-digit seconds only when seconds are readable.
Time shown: 9.35
